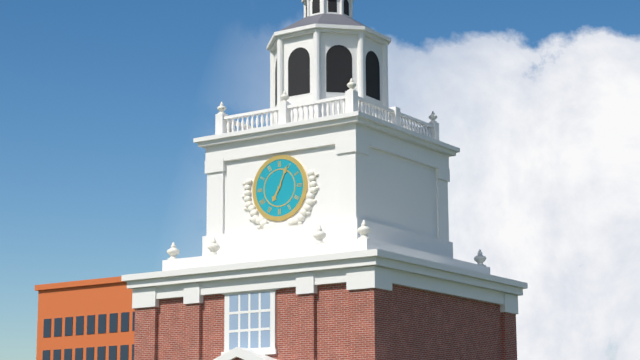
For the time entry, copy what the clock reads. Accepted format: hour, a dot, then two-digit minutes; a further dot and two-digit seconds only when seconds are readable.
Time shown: 7.04
